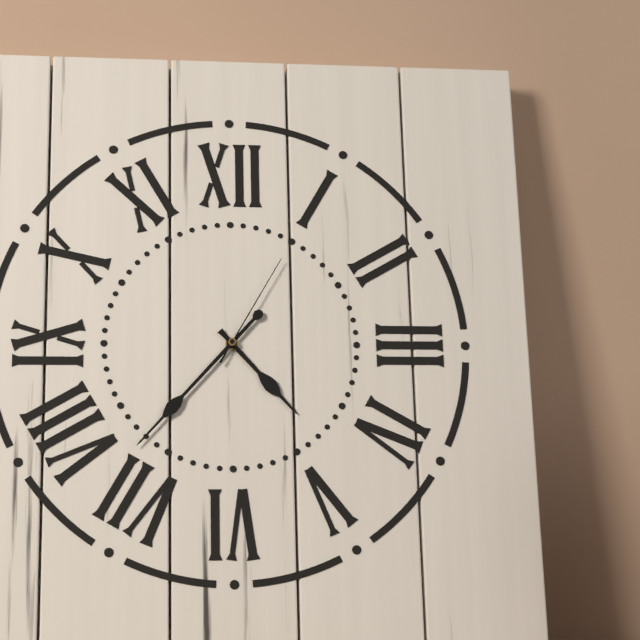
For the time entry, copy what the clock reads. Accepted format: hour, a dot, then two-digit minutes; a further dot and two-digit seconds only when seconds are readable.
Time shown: 4.37.05
